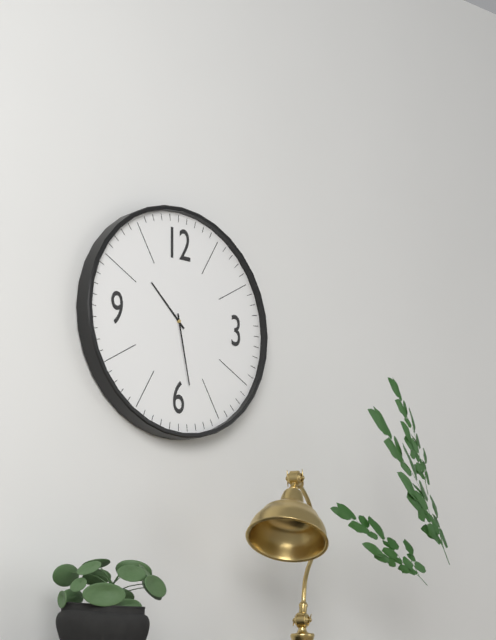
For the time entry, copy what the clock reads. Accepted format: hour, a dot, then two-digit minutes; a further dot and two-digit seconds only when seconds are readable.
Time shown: 10.28
